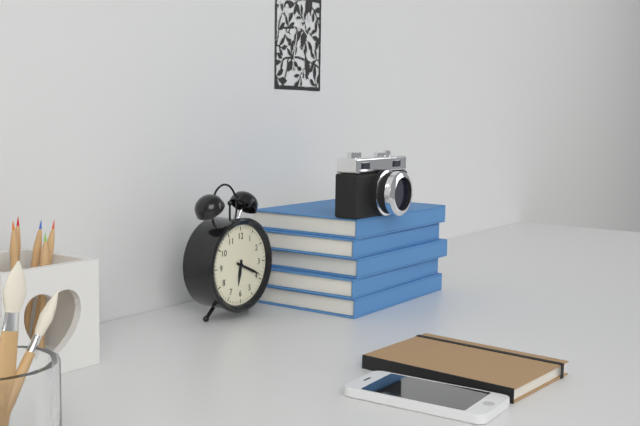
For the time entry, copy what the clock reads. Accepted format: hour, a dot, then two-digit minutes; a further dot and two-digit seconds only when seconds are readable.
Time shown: 6.19
